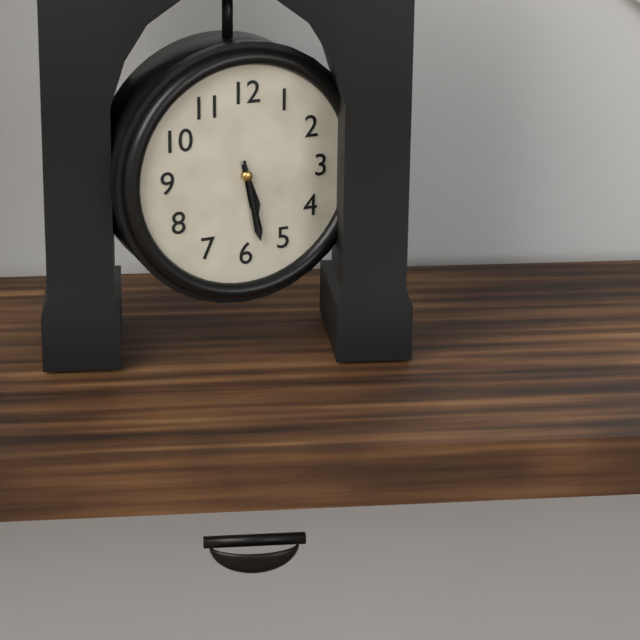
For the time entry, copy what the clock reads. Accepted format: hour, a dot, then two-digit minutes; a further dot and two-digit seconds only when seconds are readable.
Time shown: 5.28
